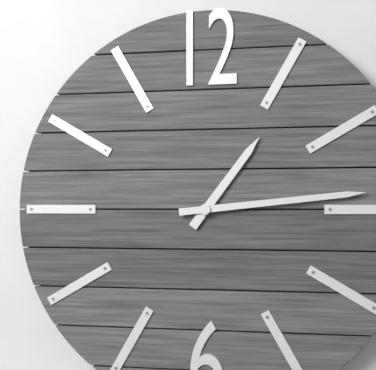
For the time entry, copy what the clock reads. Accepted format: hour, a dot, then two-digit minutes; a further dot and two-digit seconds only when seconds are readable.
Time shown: 1.14
